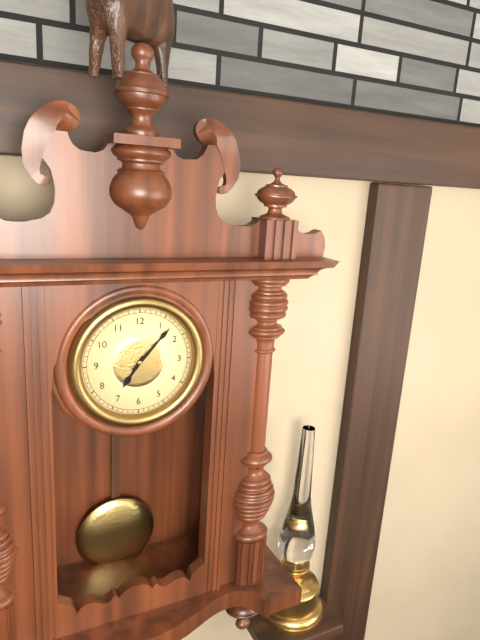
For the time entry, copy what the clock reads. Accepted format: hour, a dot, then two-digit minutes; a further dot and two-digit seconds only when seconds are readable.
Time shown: 7.07
